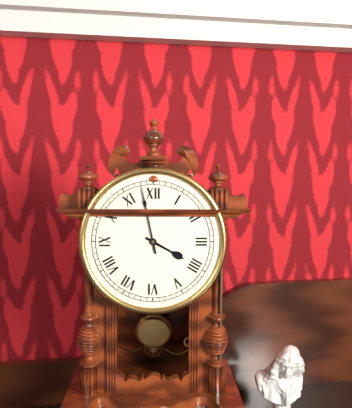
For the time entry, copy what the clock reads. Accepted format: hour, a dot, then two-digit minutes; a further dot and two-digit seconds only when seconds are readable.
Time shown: 3.58
